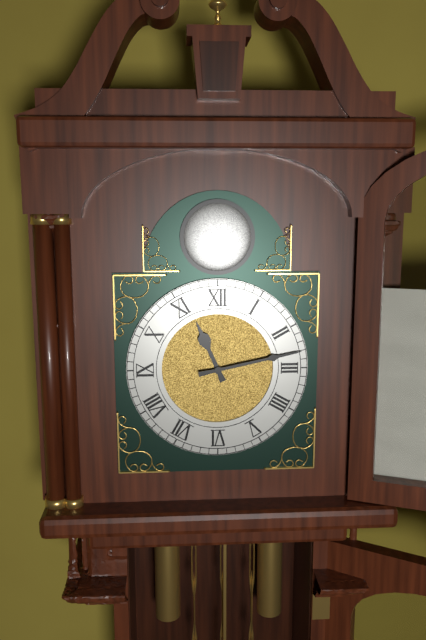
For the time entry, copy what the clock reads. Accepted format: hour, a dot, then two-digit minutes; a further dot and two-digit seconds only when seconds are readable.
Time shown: 11.13
